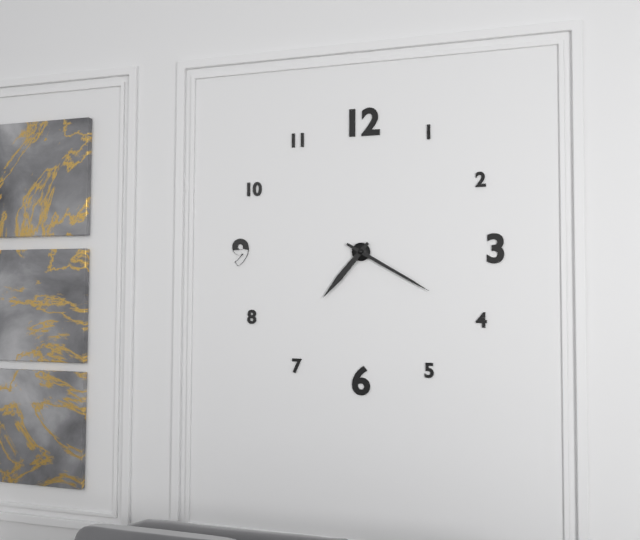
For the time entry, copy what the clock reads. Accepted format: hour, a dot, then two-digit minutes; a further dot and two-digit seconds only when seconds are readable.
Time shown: 7.20
